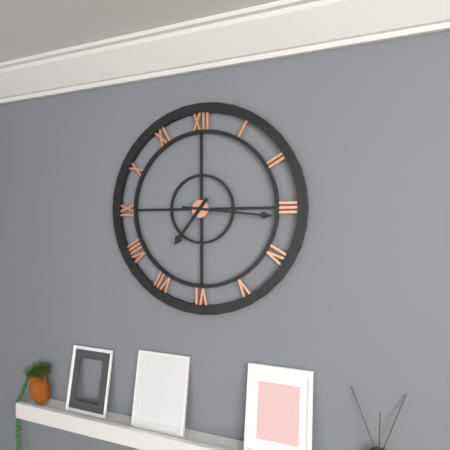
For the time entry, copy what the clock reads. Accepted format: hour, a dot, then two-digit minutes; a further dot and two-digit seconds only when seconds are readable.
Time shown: 7.16
